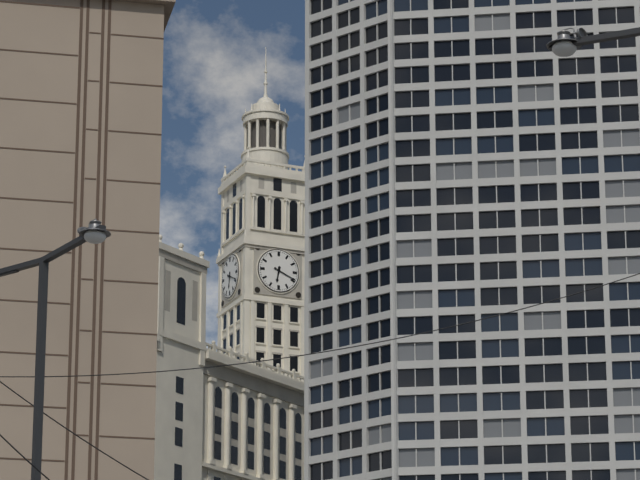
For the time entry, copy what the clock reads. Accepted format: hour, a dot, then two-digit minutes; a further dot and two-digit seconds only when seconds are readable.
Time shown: 6.19
